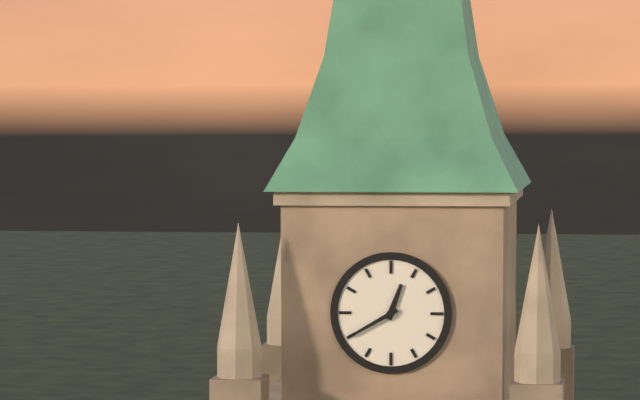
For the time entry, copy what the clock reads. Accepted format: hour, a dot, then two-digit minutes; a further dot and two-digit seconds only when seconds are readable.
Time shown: 12.40
